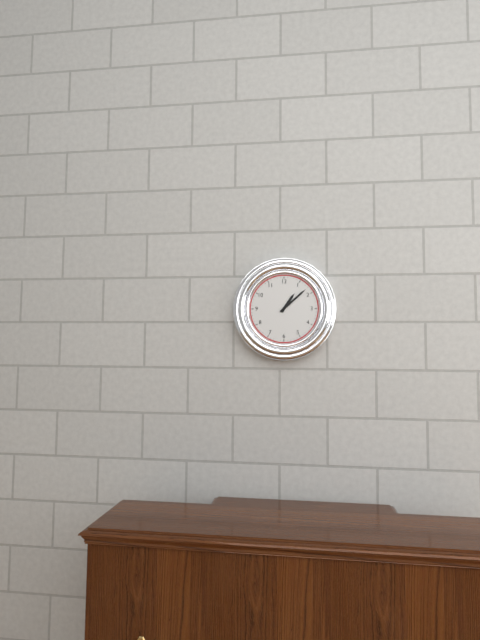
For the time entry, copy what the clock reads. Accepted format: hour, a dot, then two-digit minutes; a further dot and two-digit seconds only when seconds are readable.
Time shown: 1.08
